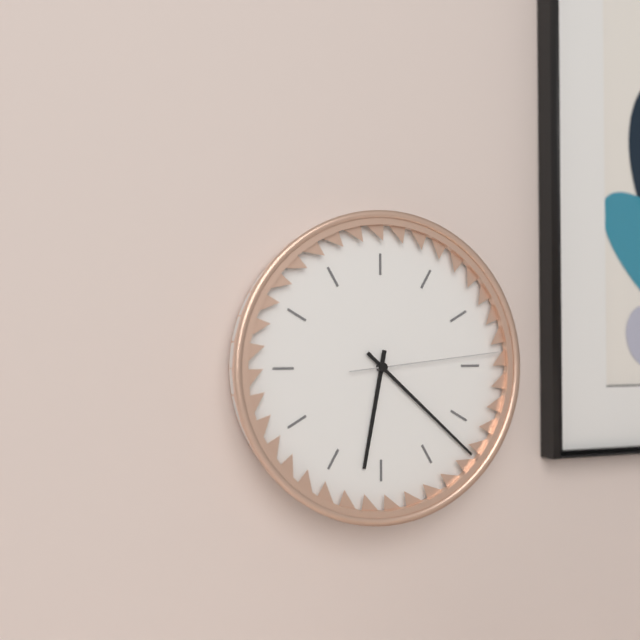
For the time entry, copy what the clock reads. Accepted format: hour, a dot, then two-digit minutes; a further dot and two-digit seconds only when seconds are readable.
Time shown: 6.22.14
